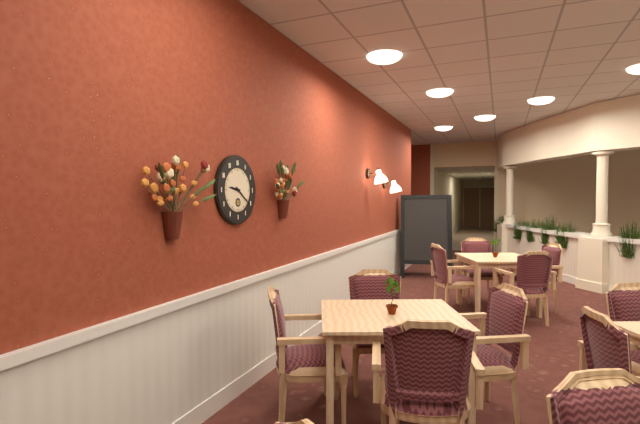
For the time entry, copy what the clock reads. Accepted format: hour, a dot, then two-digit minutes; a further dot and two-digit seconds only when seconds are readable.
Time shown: 9.21
